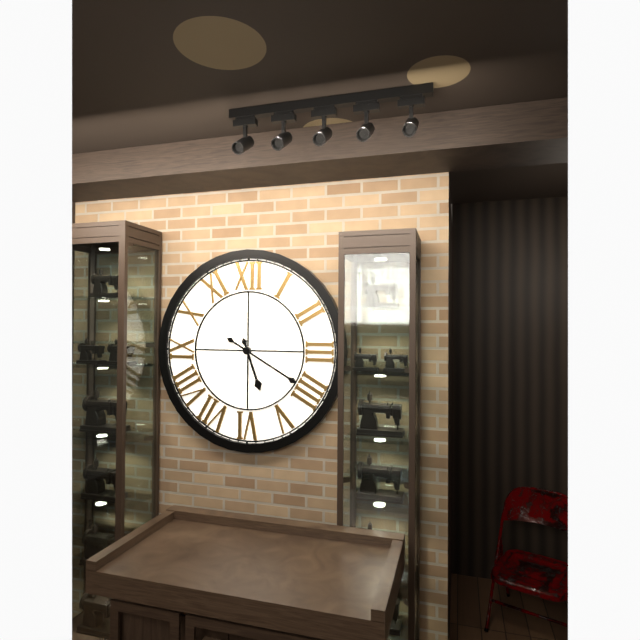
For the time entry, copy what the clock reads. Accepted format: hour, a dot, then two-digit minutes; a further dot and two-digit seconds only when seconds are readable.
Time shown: 5.20
